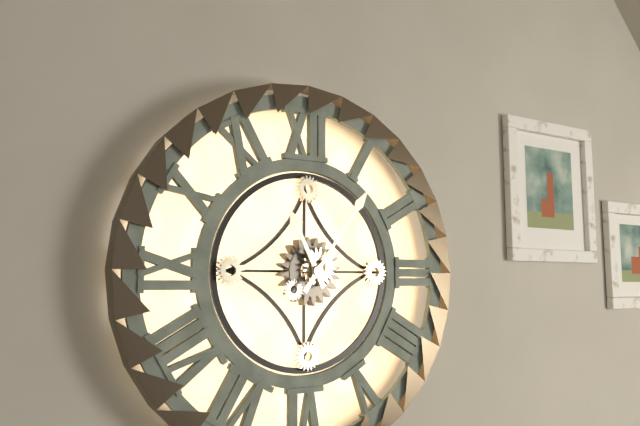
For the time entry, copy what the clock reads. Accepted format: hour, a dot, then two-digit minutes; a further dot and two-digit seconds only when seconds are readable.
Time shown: 11.06
